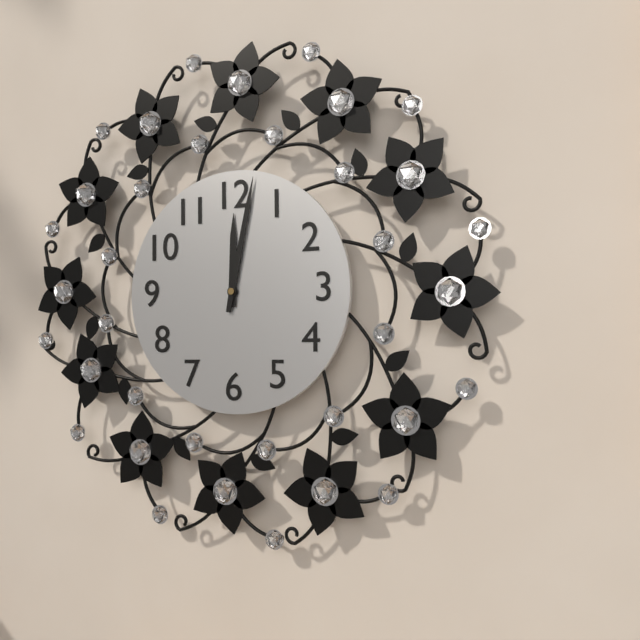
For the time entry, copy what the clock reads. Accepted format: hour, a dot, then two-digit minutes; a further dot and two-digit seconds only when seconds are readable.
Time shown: 12.02
